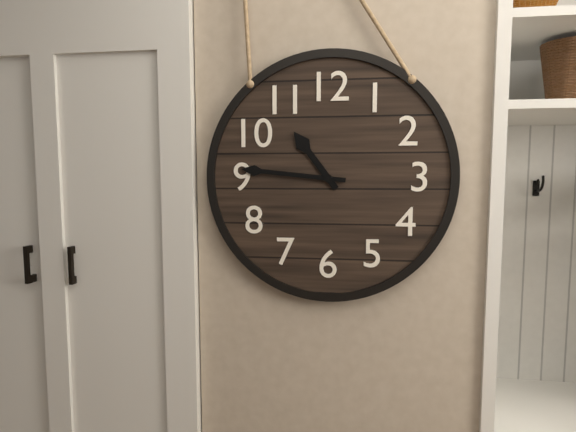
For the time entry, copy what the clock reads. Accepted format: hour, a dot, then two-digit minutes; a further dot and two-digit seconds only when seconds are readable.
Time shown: 10.46
